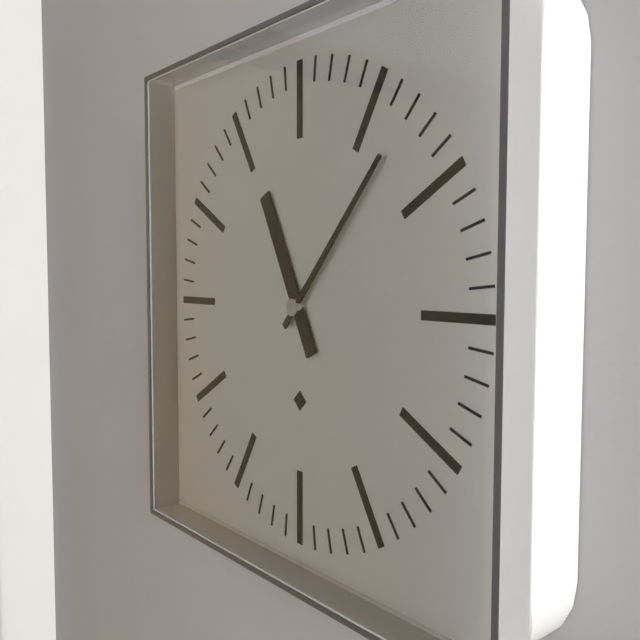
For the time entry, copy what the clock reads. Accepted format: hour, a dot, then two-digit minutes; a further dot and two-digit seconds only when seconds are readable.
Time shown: 11.07
